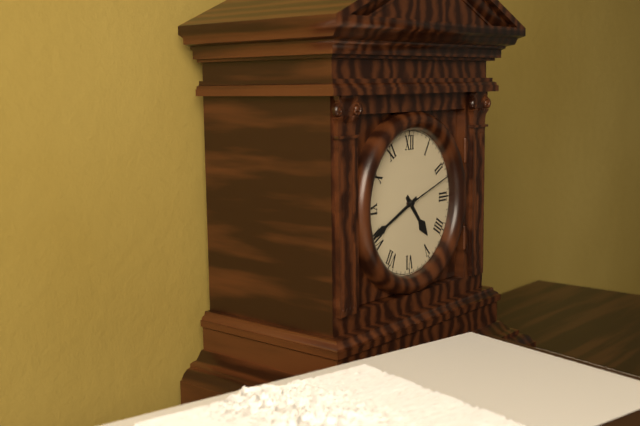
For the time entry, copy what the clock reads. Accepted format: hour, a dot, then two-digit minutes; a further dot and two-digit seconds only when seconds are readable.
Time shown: 4.41.12
